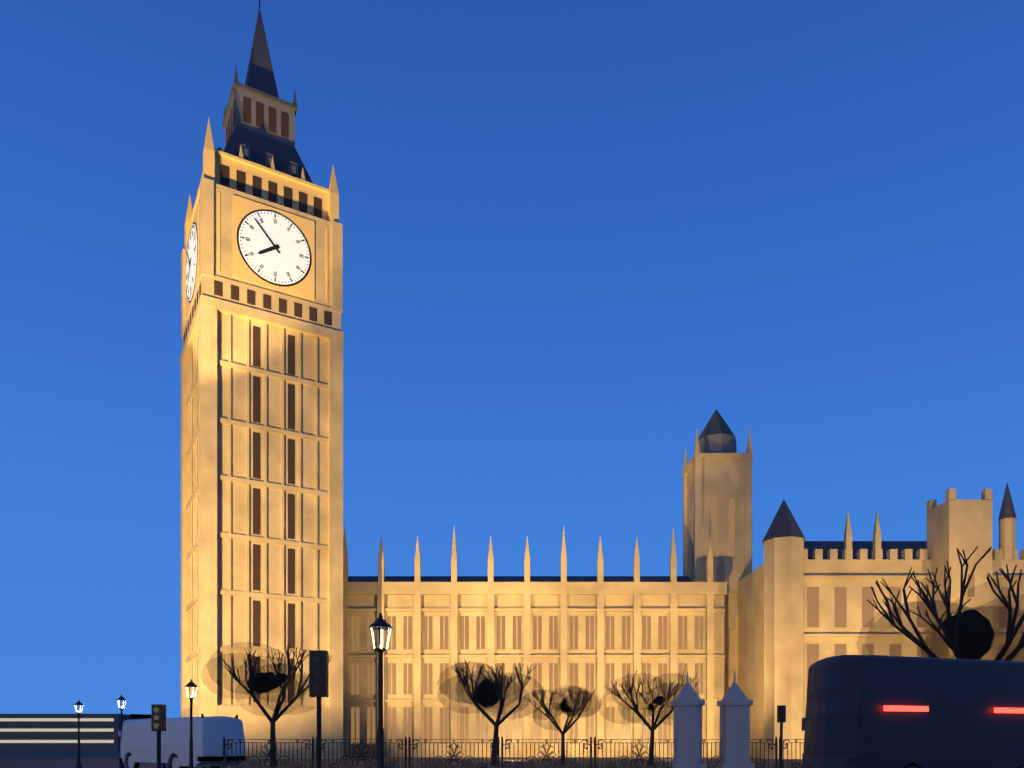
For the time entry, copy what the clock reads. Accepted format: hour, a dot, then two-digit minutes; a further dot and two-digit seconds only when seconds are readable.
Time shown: 7.53
